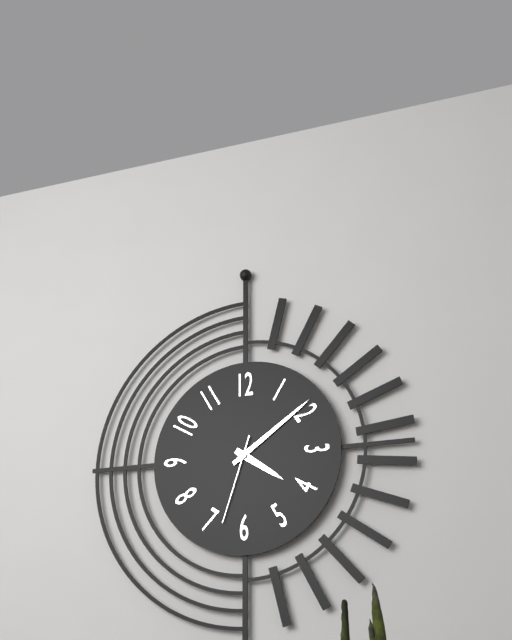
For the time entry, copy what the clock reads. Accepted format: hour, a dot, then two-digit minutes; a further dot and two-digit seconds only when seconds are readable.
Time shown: 4.09.33
